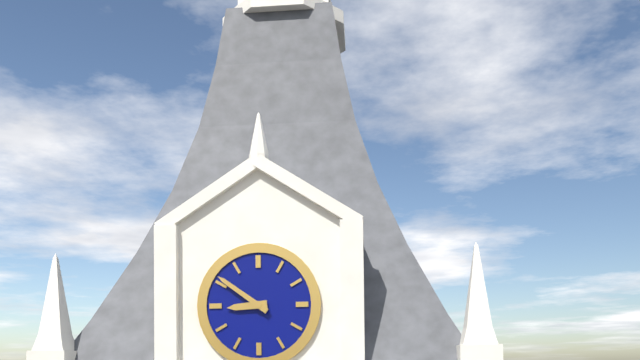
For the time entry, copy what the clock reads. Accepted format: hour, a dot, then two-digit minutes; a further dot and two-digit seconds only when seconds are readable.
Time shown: 8.51
